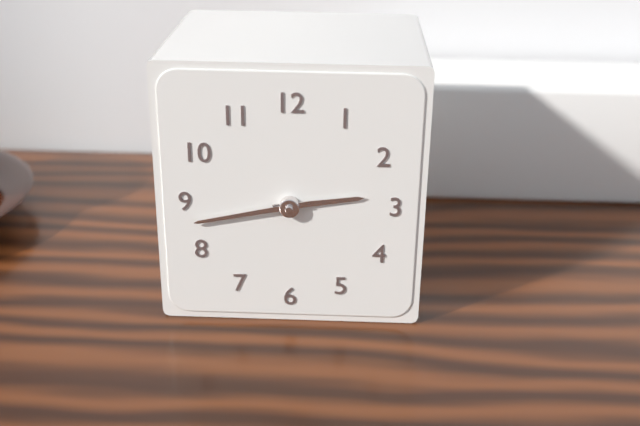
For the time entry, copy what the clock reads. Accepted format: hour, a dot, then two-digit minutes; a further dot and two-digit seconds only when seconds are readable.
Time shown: 2.43
